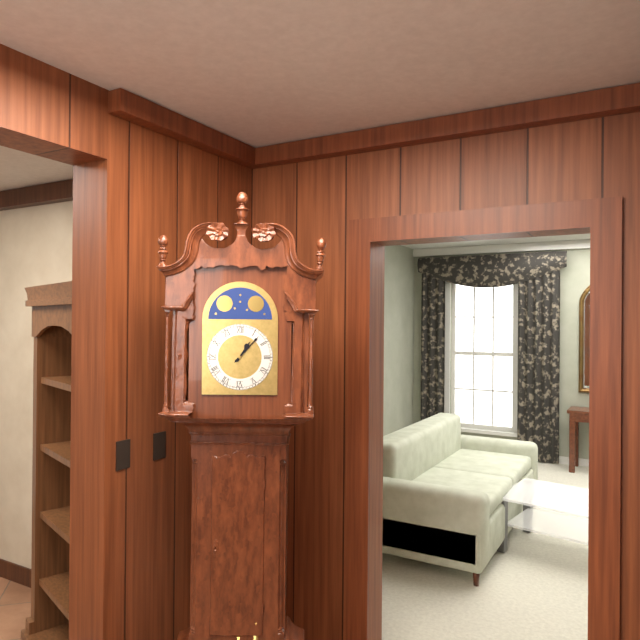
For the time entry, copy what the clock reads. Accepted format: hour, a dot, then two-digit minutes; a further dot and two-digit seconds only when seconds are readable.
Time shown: 1.07
